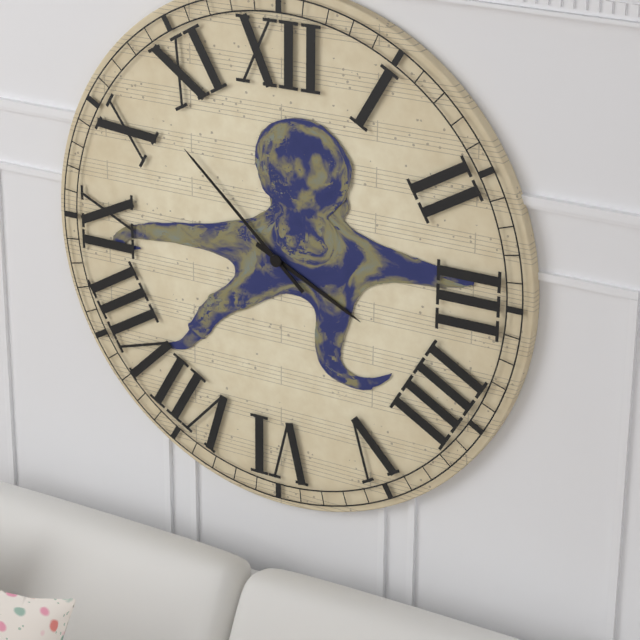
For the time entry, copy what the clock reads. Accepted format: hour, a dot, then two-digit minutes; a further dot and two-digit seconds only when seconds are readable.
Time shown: 3.52
